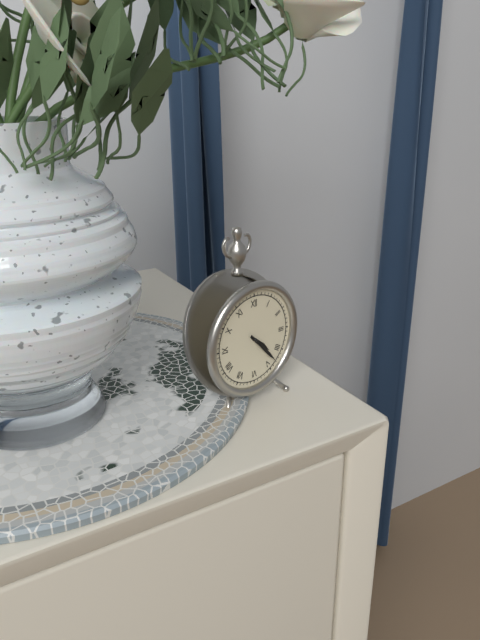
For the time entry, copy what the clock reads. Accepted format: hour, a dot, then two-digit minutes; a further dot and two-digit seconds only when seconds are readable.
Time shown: 4.23
